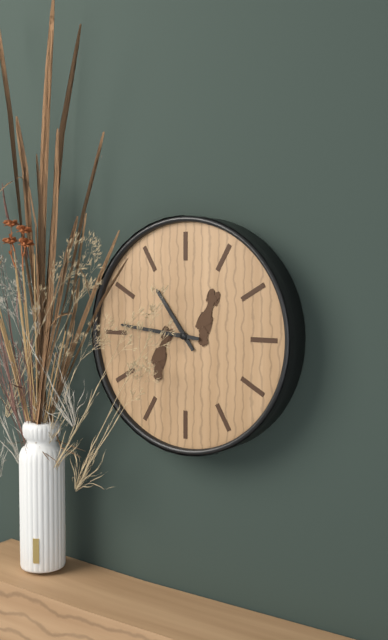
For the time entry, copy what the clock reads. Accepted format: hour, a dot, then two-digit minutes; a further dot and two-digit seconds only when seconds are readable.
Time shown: 10.46
